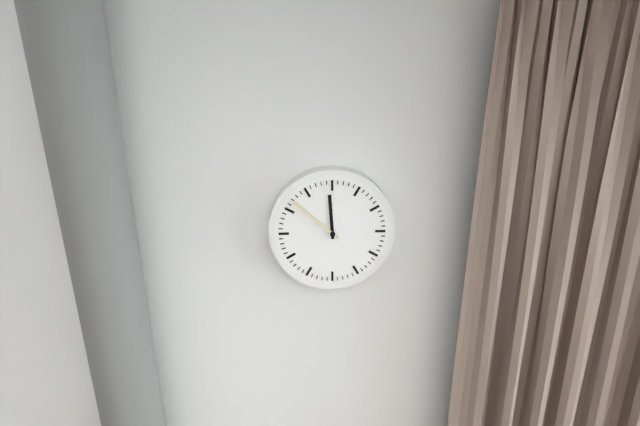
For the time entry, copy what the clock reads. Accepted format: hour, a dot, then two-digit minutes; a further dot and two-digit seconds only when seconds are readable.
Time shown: 11.52
